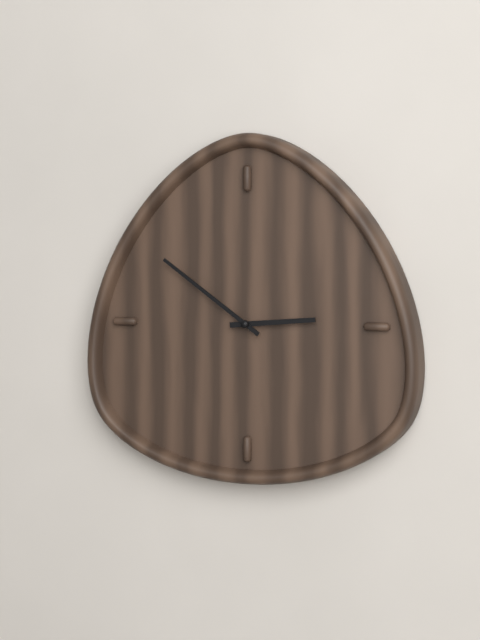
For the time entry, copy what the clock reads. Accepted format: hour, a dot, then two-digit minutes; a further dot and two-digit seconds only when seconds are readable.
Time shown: 2.51
